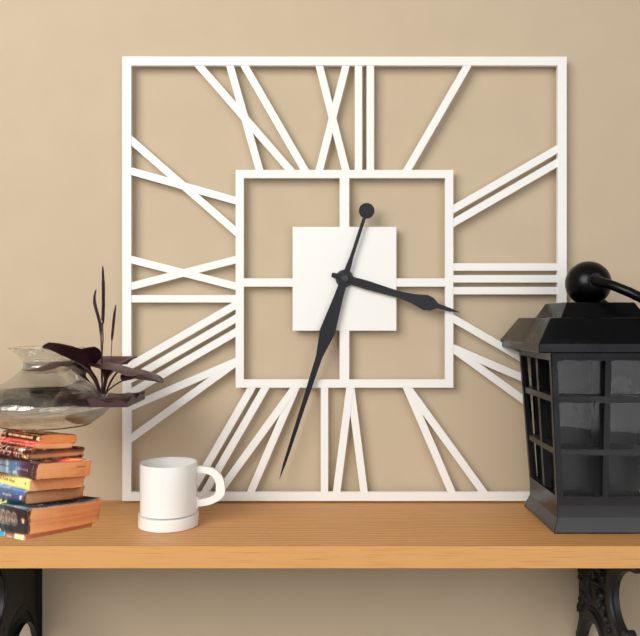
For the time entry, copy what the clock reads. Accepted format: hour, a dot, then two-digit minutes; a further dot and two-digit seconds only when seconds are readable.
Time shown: 3.33
